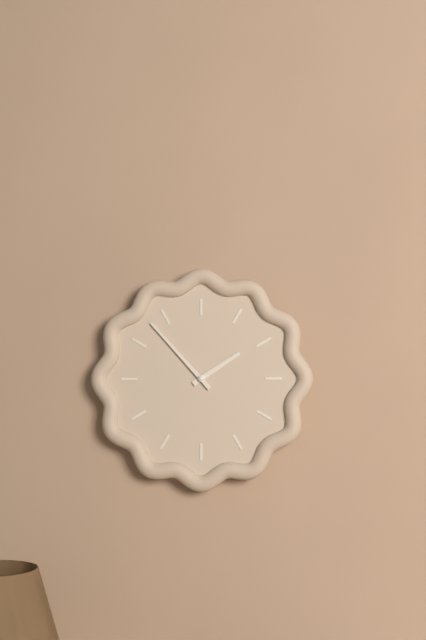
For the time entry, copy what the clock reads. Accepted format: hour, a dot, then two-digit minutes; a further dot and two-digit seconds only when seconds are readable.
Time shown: 1.53
